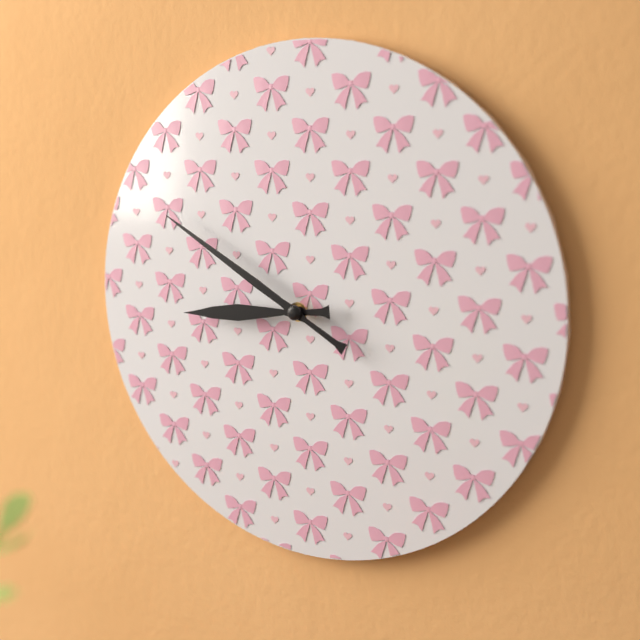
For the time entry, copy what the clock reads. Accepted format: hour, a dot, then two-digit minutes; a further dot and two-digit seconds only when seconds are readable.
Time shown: 8.50
